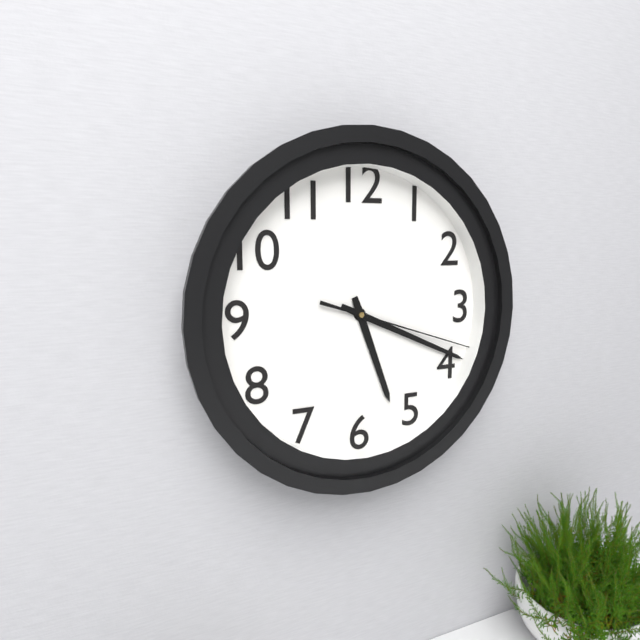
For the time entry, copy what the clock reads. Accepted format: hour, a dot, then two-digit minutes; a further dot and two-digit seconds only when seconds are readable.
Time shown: 5.19.18
